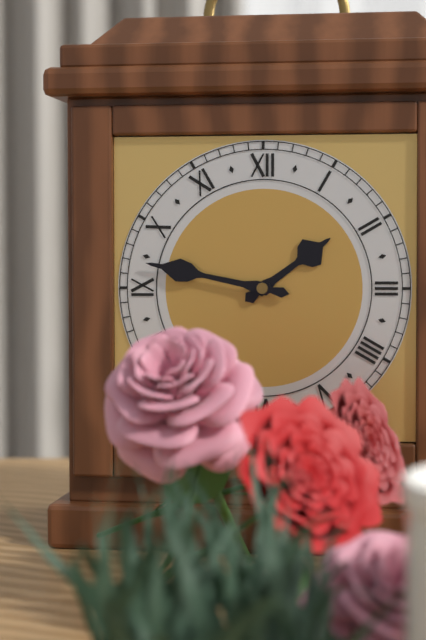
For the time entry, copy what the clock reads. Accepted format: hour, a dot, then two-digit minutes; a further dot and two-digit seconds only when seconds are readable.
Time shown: 1.47
